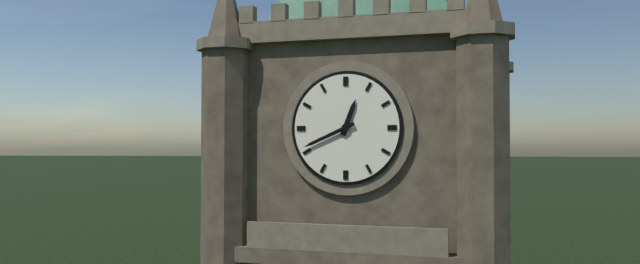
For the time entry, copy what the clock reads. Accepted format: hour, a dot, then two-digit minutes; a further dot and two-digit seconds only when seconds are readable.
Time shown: 12.41
